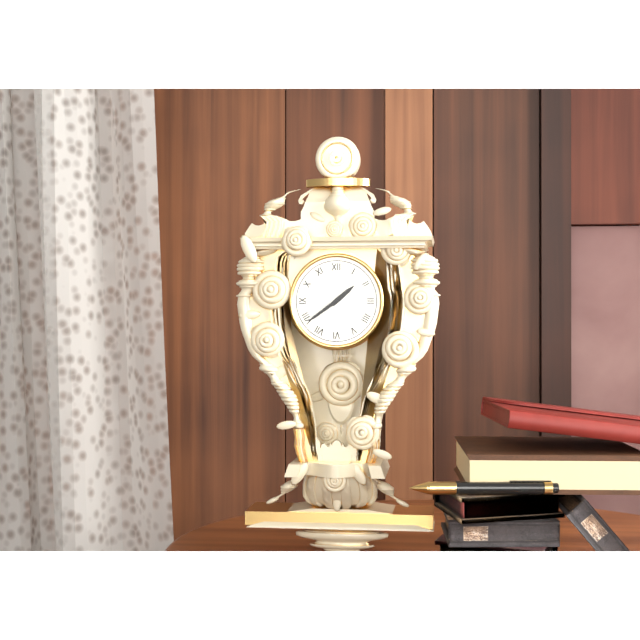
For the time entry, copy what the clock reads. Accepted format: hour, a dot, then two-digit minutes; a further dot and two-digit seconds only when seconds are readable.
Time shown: 1.39
